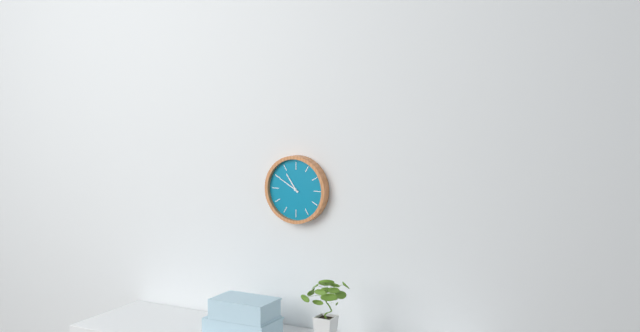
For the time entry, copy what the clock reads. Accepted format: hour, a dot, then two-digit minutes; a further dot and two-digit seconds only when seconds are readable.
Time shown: 10.50
